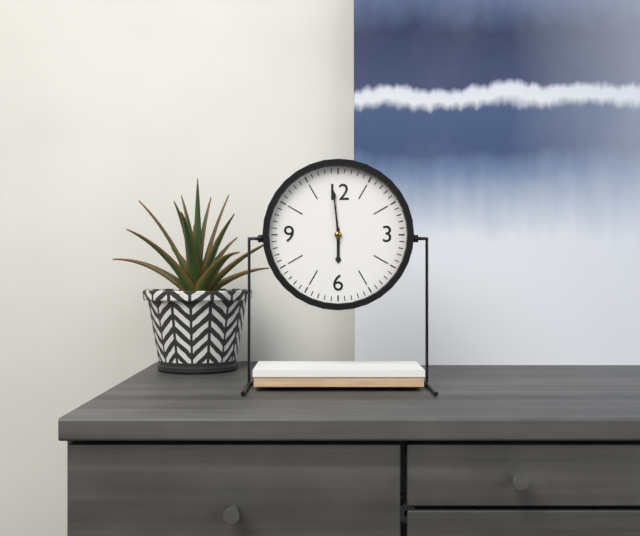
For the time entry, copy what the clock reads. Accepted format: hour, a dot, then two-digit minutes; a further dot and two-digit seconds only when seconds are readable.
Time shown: 5.59
